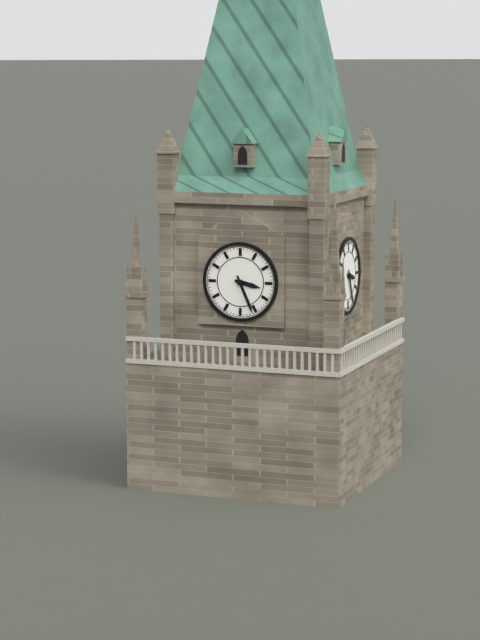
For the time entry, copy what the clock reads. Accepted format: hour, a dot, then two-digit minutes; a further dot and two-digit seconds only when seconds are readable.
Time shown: 3.26
